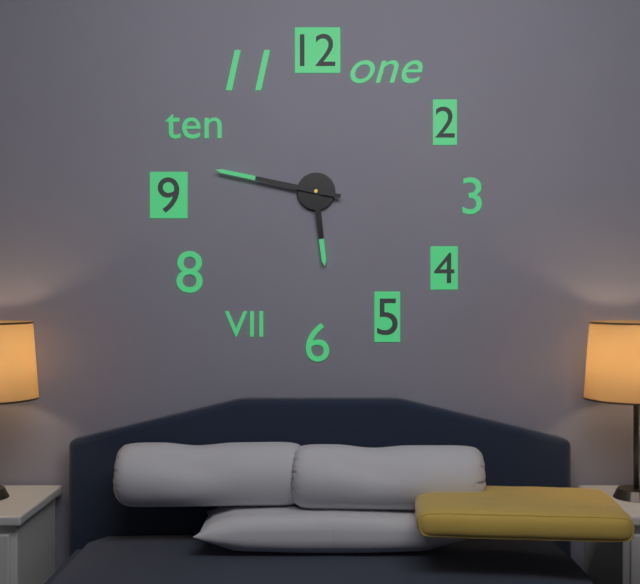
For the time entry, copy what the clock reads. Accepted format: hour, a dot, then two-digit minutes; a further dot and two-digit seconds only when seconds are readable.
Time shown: 5.47
